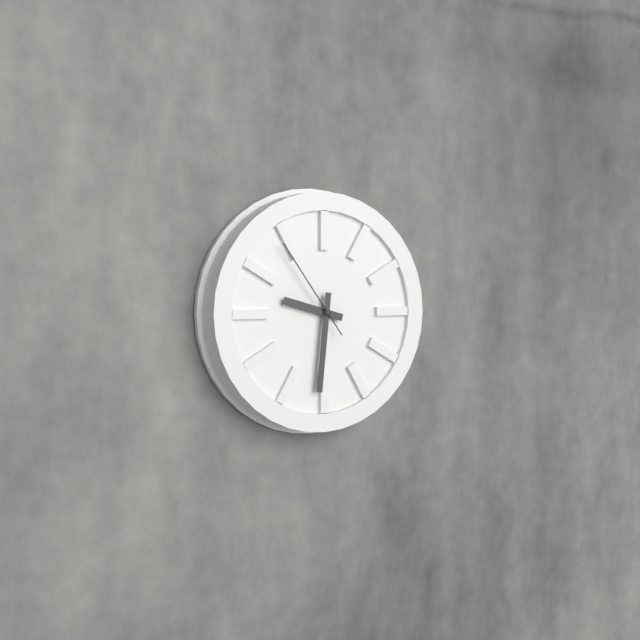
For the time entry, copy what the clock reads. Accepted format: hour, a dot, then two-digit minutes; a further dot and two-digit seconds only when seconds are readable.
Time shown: 9.31.54
